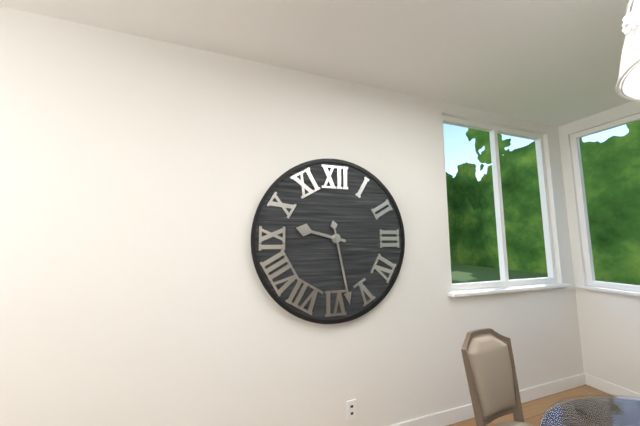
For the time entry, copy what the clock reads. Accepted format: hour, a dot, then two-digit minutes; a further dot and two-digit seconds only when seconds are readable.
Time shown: 9.28
